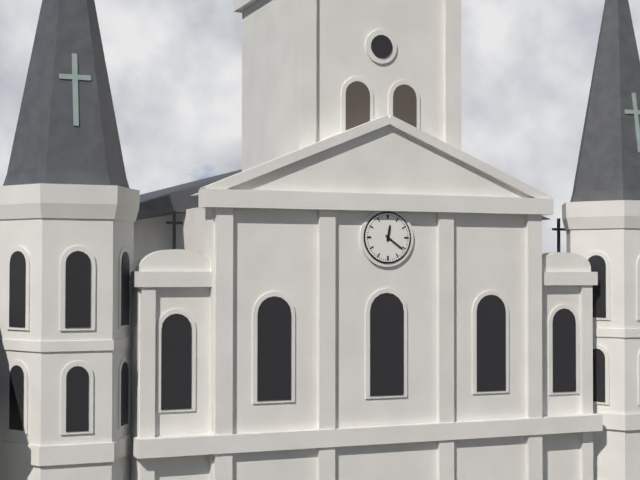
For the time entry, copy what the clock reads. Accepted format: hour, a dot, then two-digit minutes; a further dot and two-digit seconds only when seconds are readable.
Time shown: 12.21
